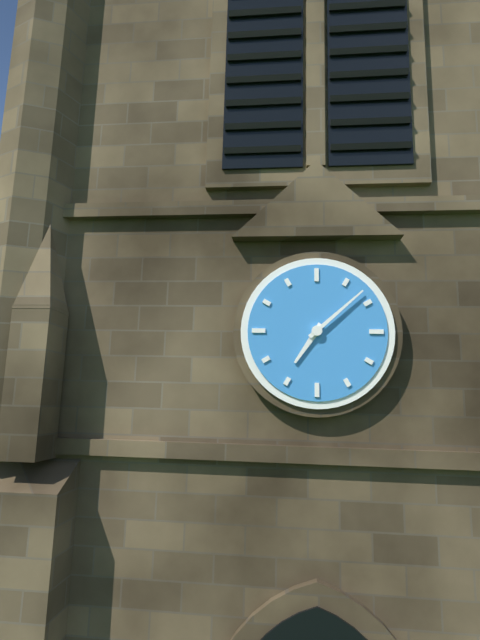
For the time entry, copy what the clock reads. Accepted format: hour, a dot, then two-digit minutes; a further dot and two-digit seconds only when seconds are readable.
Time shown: 7.08
